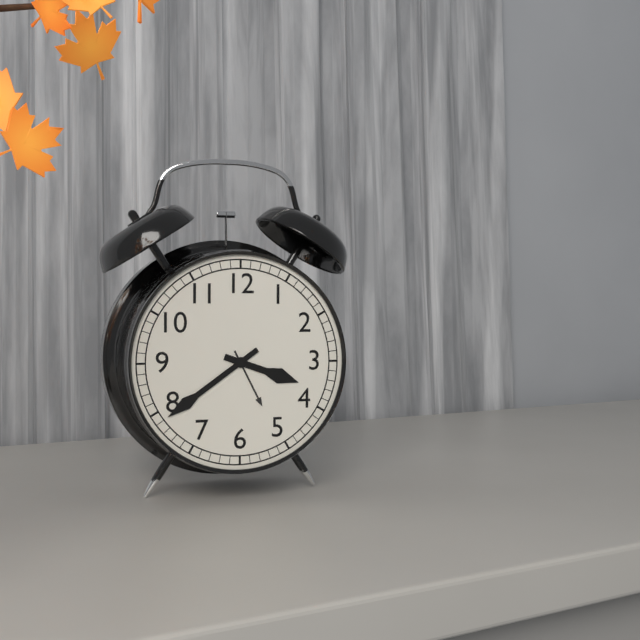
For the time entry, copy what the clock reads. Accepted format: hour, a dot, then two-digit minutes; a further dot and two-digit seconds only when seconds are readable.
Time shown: 3.39
